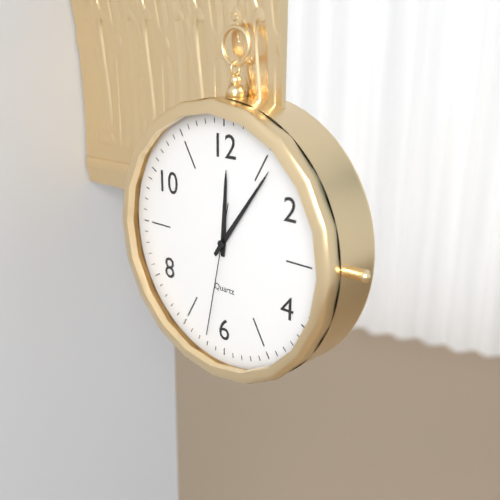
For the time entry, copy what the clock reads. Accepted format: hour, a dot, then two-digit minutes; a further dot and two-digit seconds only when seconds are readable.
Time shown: 12.06.32
